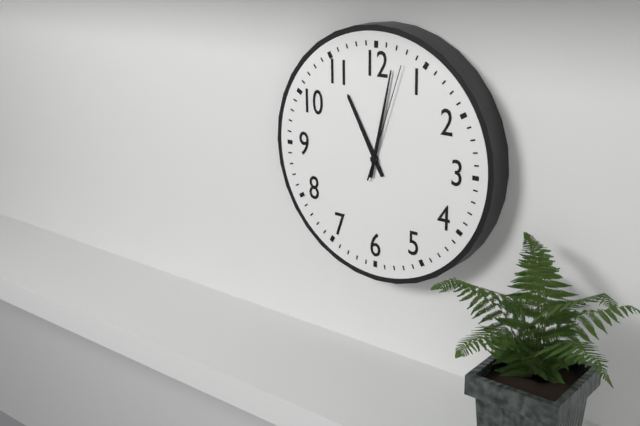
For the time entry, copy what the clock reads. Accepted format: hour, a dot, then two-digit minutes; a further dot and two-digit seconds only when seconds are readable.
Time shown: 11.02.03
